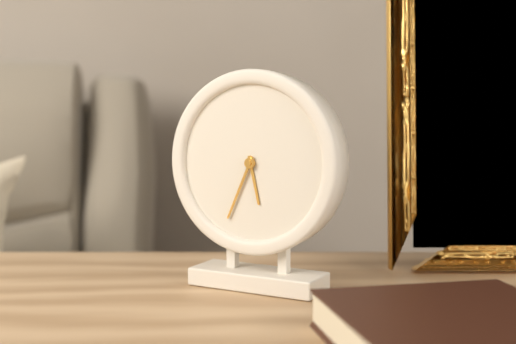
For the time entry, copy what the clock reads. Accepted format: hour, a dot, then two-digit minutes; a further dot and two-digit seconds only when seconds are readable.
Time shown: 5.34
